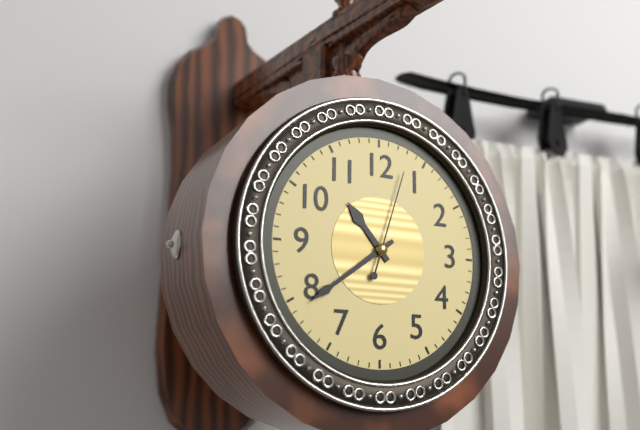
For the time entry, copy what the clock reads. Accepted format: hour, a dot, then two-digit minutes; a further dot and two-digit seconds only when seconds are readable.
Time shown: 10.39.03
